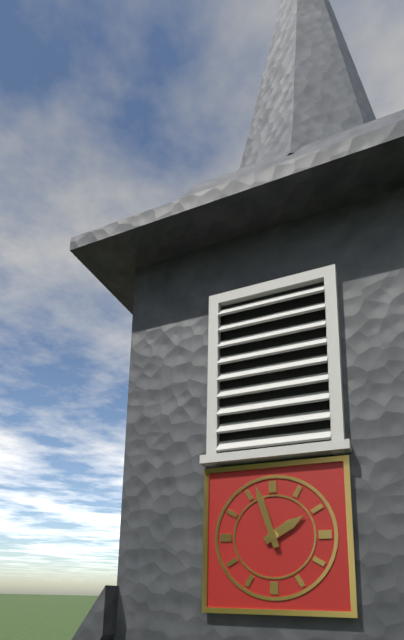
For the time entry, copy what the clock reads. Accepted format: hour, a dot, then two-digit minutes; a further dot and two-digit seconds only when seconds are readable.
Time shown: 1.57
